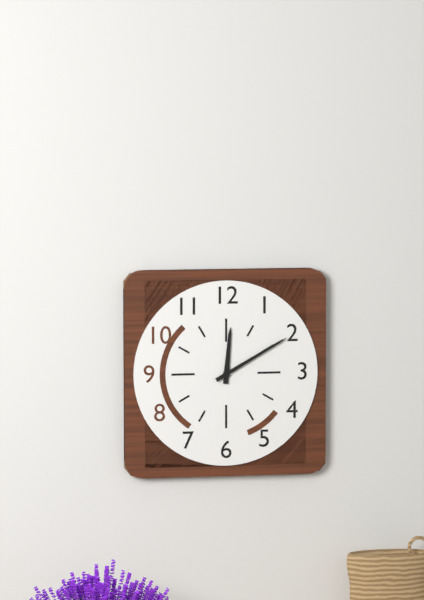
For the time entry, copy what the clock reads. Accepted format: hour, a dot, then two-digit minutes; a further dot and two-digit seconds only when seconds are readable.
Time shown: 12.10
